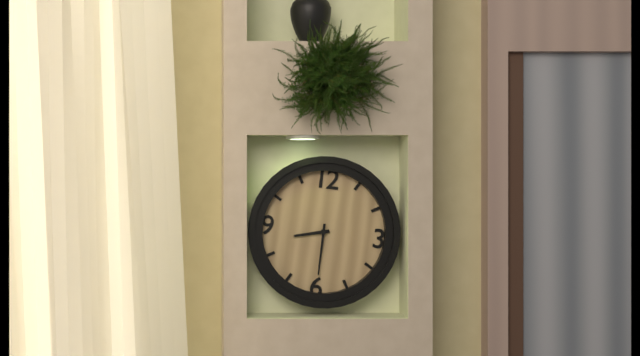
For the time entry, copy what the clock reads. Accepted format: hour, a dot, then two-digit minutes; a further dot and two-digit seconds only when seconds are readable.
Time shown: 8.30
